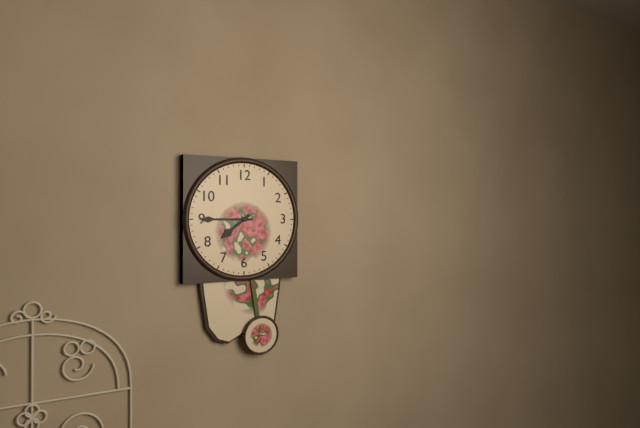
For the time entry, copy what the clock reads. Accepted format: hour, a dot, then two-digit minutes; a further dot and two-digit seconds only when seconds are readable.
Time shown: 7.45
